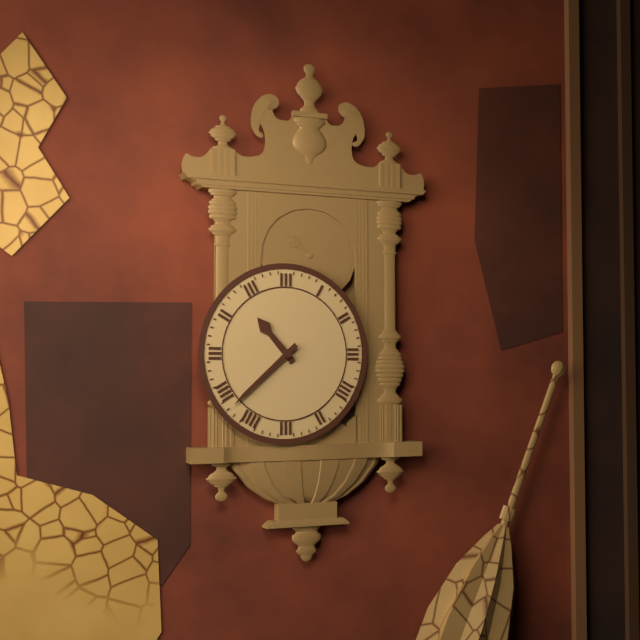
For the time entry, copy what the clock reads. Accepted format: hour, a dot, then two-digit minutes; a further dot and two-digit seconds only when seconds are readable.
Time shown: 10.38
